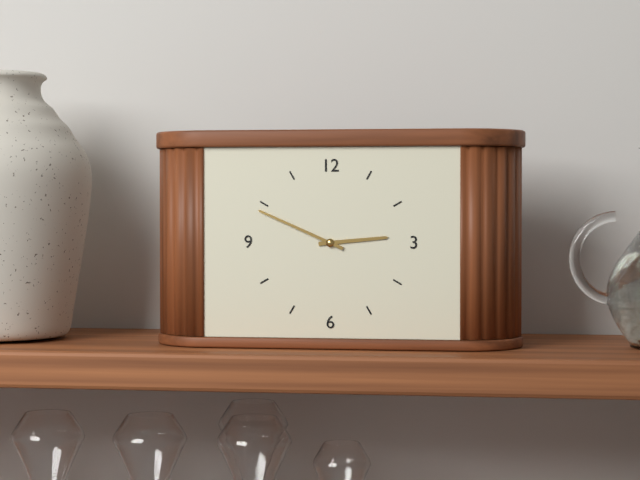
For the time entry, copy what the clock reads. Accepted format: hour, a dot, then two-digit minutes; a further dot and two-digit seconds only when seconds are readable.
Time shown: 2.49
